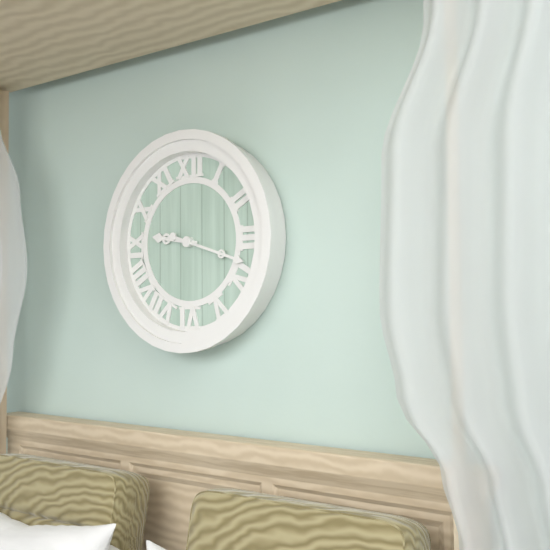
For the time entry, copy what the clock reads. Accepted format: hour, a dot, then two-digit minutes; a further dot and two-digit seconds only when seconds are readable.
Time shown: 9.18
